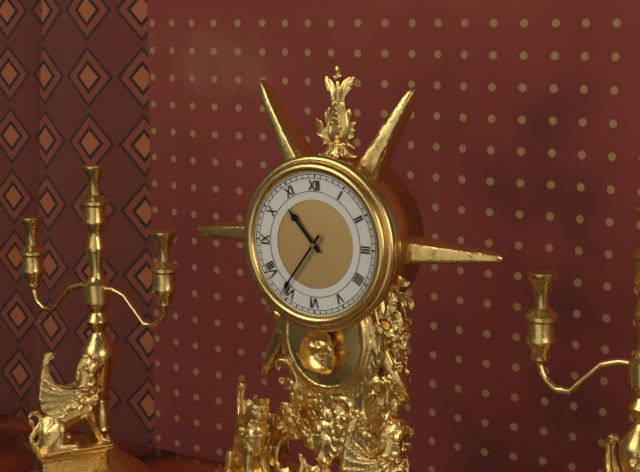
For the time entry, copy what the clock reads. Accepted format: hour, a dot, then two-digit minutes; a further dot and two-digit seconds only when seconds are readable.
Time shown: 10.36
